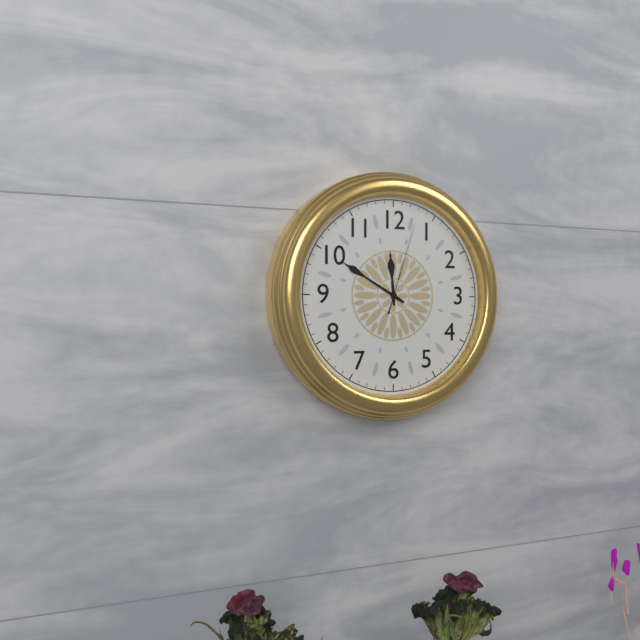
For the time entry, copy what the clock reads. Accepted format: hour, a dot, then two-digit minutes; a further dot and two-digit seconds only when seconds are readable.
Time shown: 11.50.03
